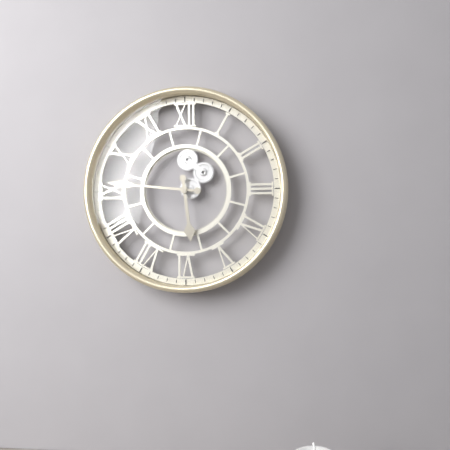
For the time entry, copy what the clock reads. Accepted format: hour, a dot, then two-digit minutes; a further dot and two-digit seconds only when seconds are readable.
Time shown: 5.46
